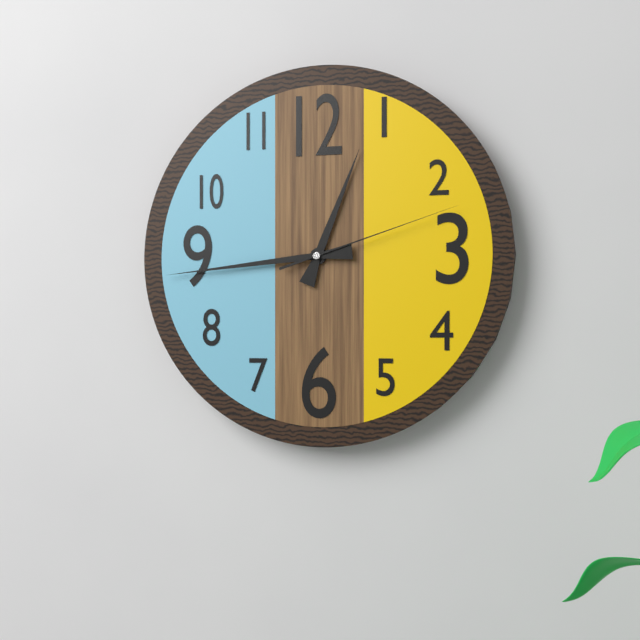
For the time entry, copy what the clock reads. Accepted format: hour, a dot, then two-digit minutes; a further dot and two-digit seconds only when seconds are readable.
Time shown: 12.44.12
